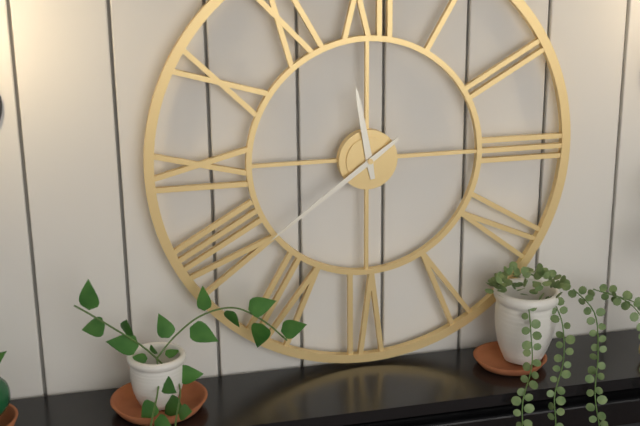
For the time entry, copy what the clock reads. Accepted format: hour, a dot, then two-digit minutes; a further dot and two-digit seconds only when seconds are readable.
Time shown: 11.39
